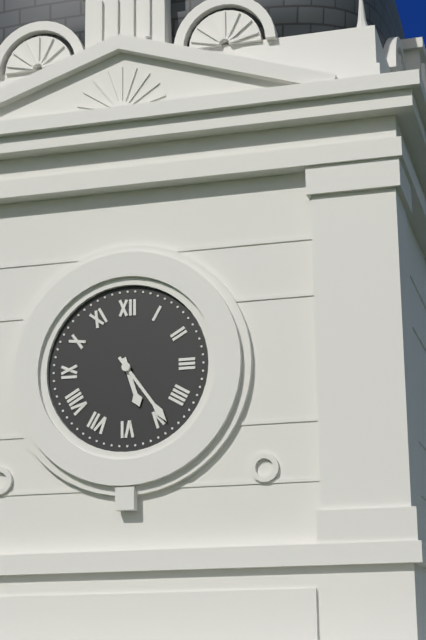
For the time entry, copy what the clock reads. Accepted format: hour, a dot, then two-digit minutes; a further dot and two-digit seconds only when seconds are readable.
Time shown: 5.24
